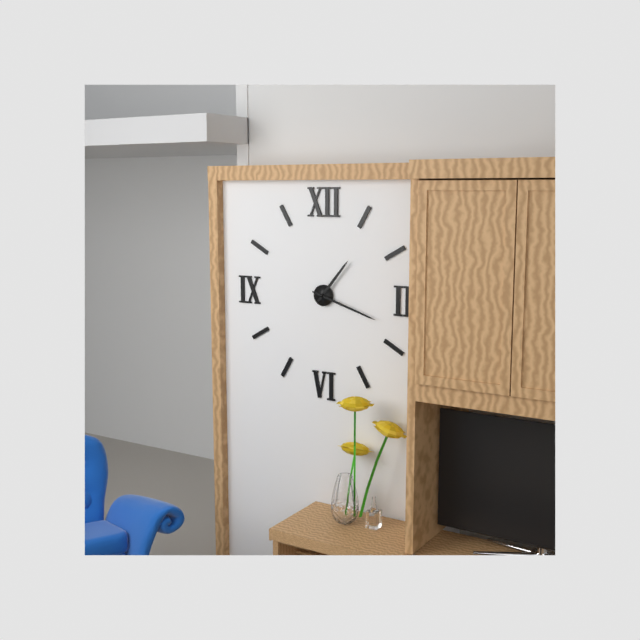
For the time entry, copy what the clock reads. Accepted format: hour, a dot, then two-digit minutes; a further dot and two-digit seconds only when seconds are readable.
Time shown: 1.18
